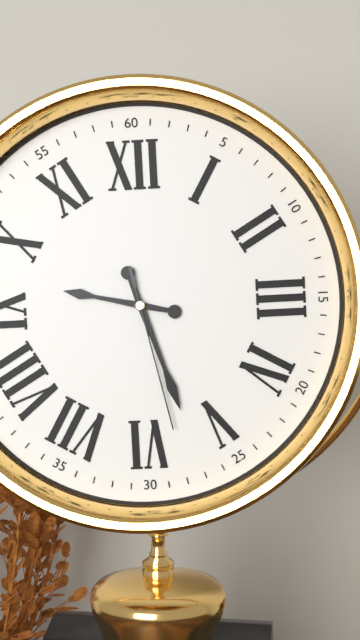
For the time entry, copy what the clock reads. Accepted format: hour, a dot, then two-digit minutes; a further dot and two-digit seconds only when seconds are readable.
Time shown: 9.27.28
